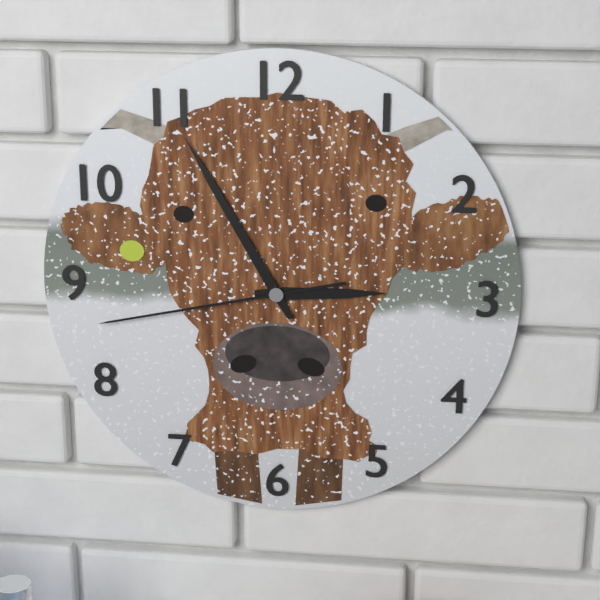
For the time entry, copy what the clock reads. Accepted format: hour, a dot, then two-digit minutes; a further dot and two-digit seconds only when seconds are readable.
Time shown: 2.55.43
